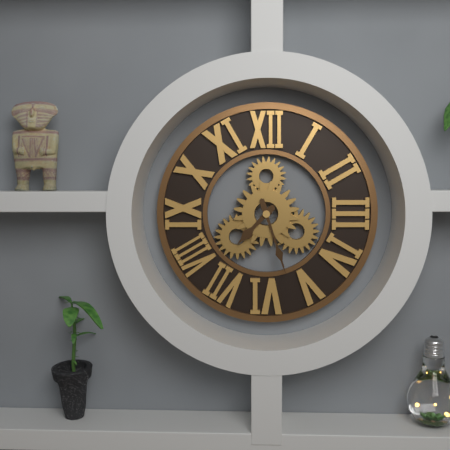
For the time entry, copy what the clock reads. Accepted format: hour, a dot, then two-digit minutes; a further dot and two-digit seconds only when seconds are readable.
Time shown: 7.27
